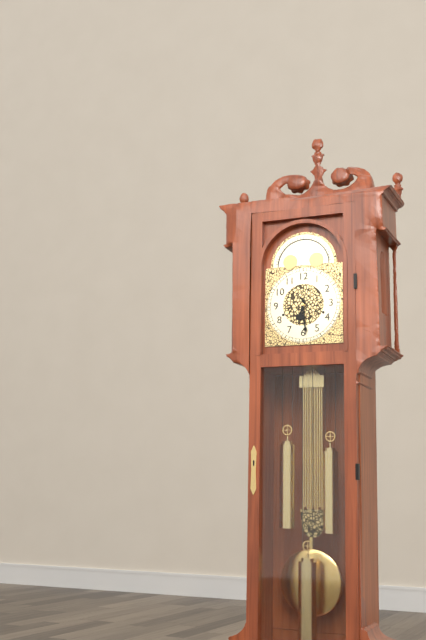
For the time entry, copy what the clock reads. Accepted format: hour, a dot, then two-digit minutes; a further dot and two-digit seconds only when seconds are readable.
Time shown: 6.29
